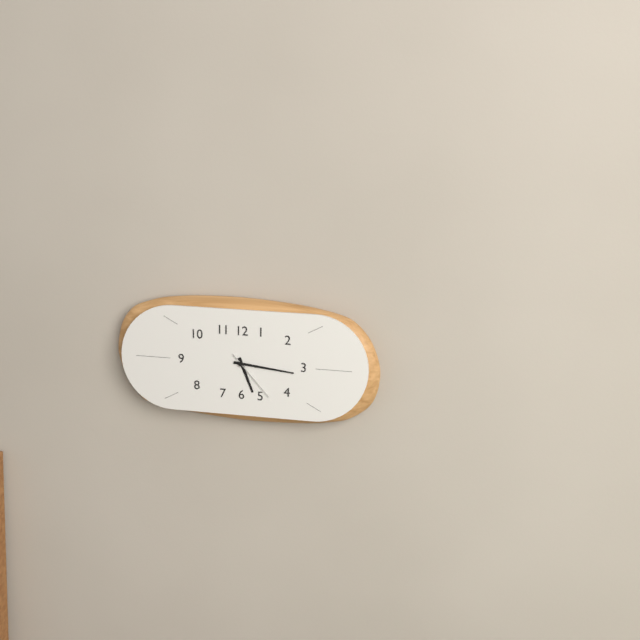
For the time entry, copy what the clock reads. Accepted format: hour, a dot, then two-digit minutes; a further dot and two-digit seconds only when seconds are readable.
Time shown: 5.16.23
